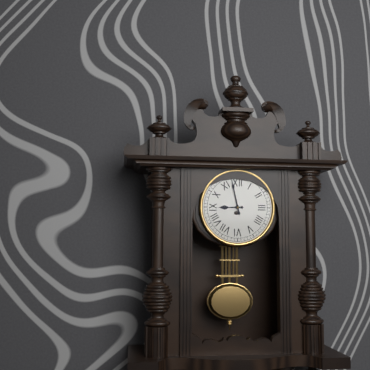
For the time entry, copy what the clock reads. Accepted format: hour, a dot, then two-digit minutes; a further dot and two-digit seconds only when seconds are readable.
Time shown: 8.58
